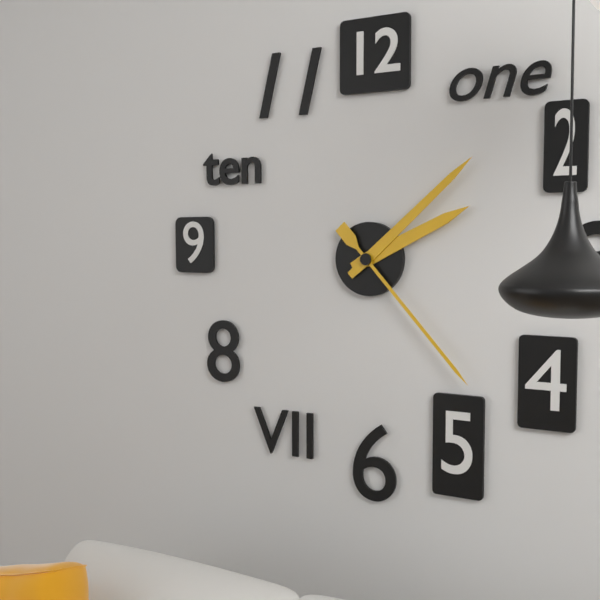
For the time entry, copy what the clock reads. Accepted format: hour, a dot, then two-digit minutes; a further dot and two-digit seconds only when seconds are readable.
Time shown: 2.08.23
